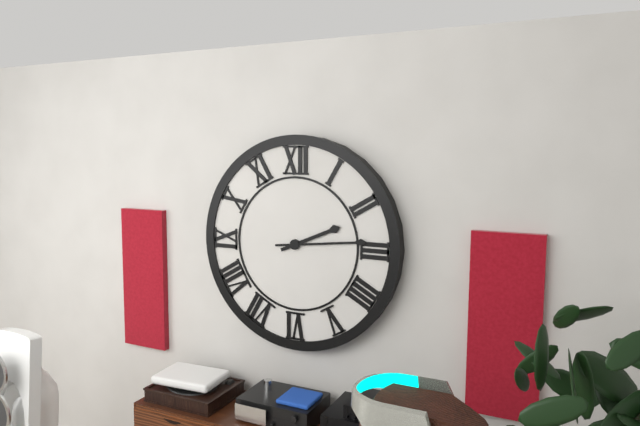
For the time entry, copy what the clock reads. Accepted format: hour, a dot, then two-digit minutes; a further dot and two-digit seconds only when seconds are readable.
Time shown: 2.14
